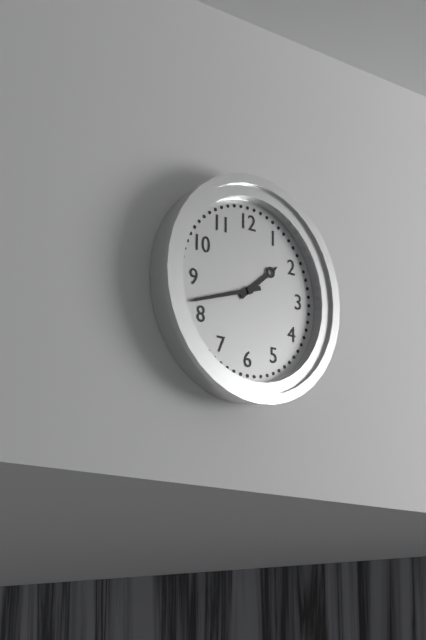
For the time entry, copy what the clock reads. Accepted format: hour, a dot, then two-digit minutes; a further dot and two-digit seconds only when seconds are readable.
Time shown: 1.42
